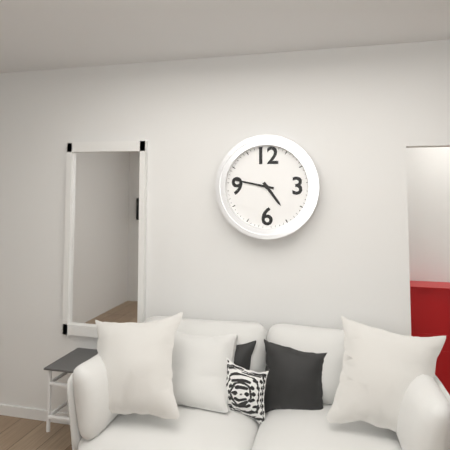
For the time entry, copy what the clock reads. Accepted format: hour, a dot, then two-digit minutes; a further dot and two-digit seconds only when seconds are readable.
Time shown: 4.47
